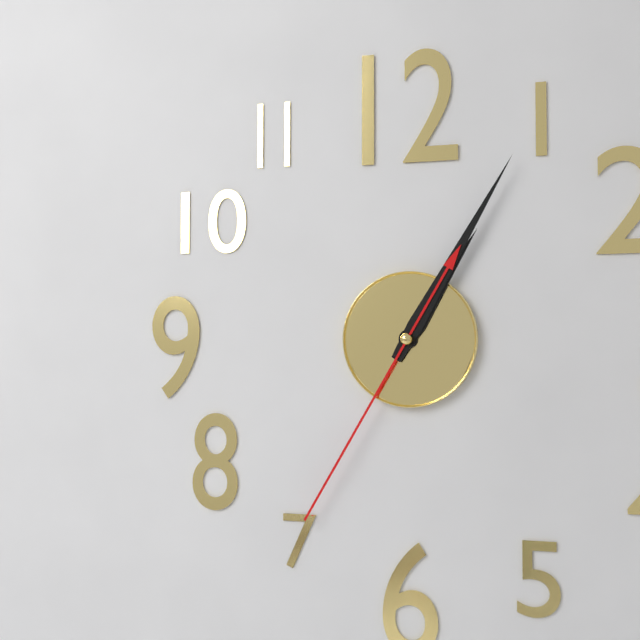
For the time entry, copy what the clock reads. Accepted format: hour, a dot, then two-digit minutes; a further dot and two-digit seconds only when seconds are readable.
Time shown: 1.05.35
